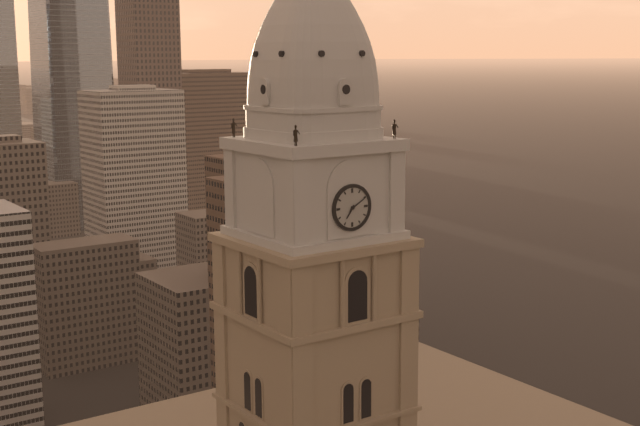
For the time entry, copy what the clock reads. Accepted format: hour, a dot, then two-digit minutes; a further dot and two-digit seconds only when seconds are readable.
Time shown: 7.10
